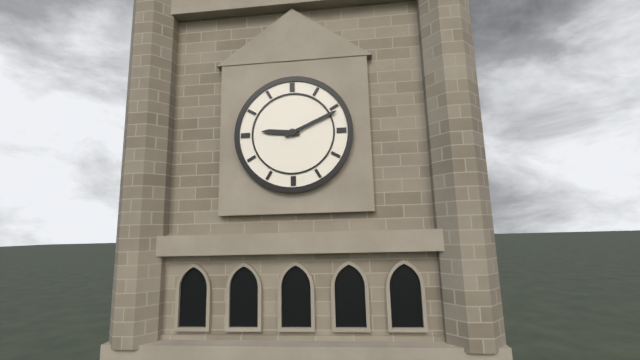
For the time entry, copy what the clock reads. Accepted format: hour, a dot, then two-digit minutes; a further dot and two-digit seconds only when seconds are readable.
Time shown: 9.11
